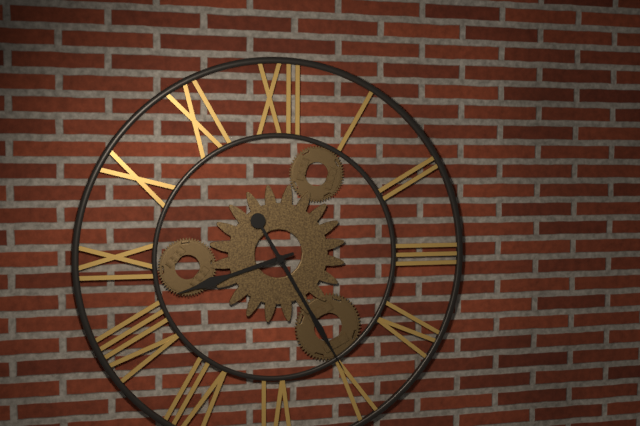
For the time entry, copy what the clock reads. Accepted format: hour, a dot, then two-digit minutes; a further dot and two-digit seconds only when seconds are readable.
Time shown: 8.25
